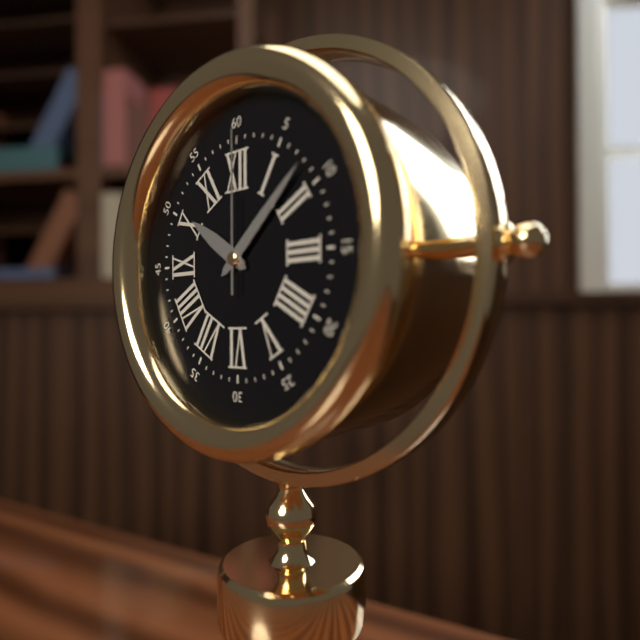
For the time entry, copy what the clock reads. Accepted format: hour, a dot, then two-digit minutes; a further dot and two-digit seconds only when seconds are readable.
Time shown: 10.08.00
